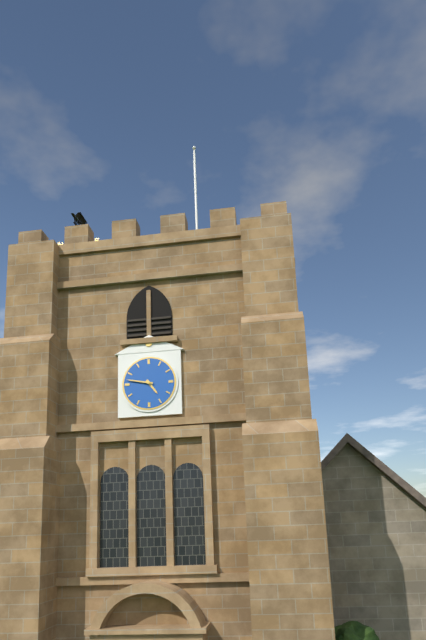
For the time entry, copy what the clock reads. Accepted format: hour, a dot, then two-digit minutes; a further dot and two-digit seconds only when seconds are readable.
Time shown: 4.47
